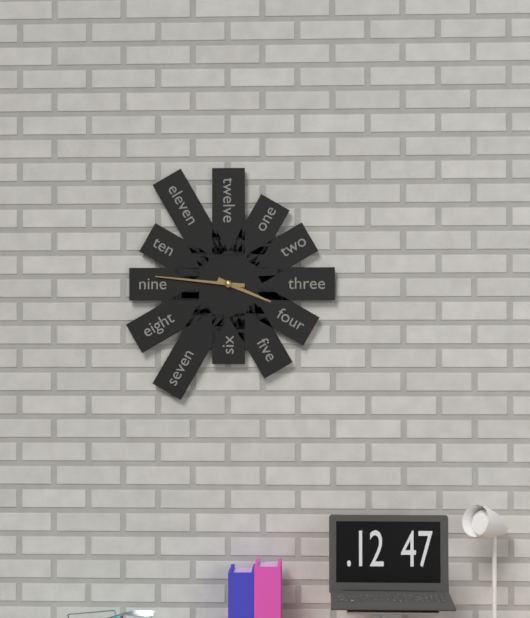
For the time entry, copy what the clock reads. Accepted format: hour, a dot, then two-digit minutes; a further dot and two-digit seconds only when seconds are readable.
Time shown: 3.46
